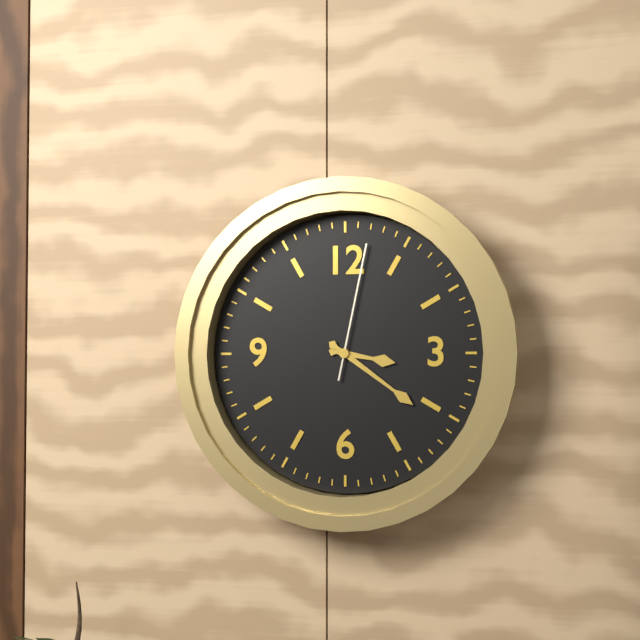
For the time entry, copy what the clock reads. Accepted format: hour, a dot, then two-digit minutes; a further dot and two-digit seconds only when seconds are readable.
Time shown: 3.21.02
